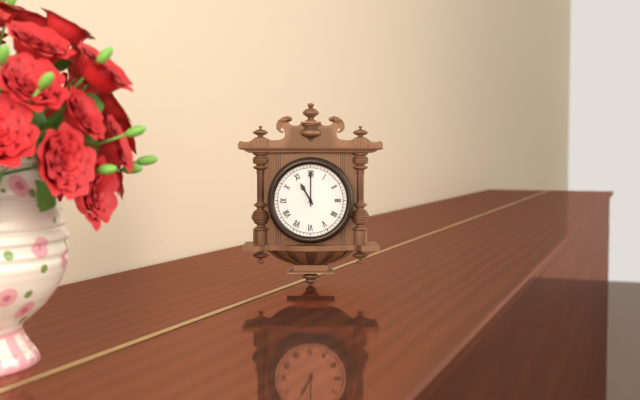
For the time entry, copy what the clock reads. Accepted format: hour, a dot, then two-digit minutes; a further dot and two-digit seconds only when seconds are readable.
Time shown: 11.00
